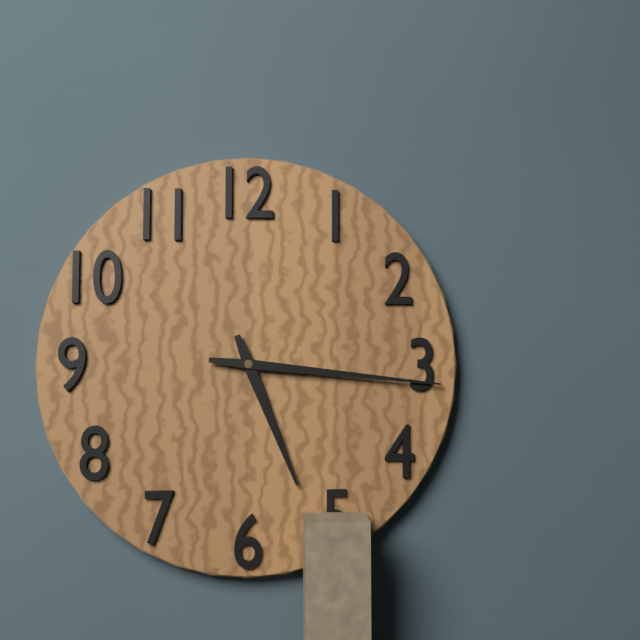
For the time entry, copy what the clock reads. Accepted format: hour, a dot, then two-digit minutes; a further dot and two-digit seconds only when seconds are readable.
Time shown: 5.16
